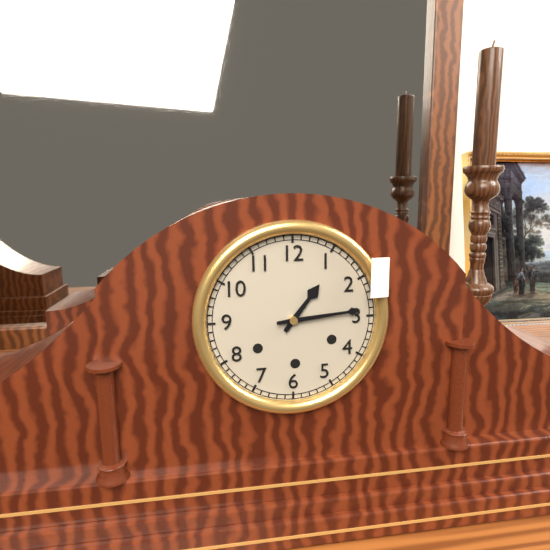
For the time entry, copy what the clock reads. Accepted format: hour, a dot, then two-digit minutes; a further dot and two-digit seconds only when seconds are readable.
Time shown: 1.14
